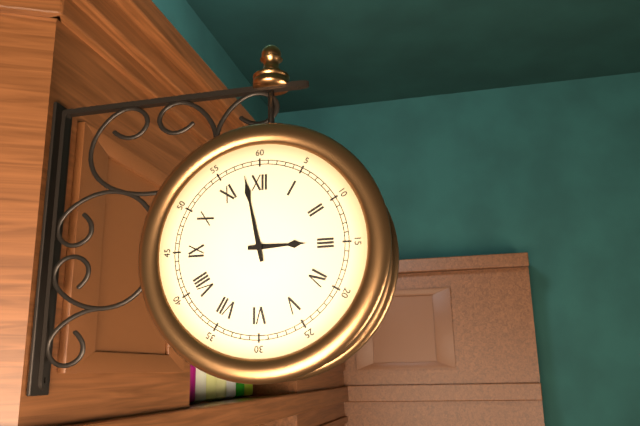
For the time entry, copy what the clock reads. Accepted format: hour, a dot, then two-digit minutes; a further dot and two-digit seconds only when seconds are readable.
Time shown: 2.58
